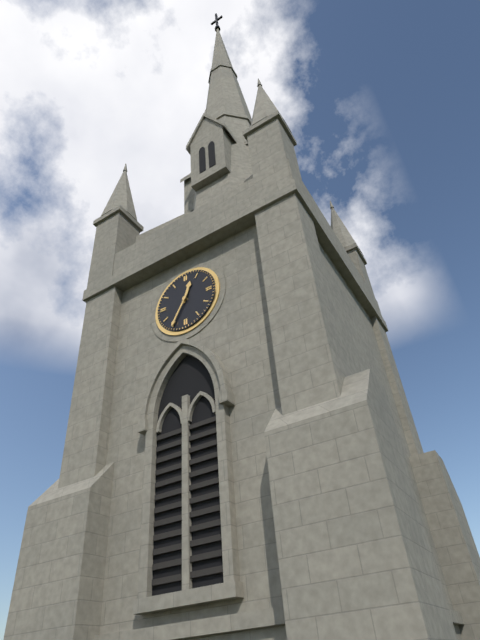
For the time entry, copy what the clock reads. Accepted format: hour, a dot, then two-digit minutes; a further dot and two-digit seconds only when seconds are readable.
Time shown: 12.35
